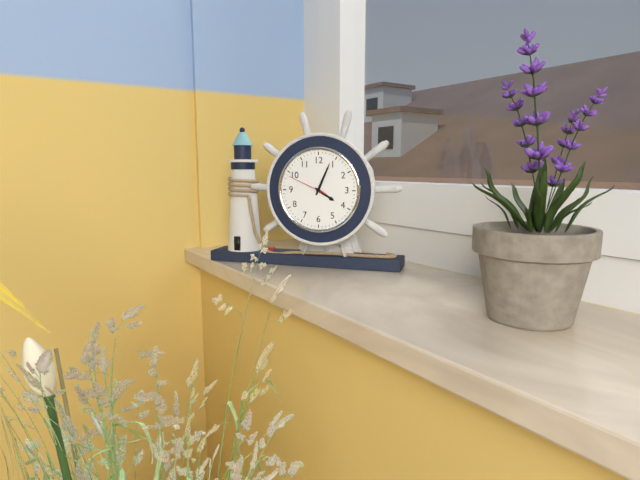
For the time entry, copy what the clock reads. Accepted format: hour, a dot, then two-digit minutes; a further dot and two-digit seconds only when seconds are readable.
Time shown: 4.04
